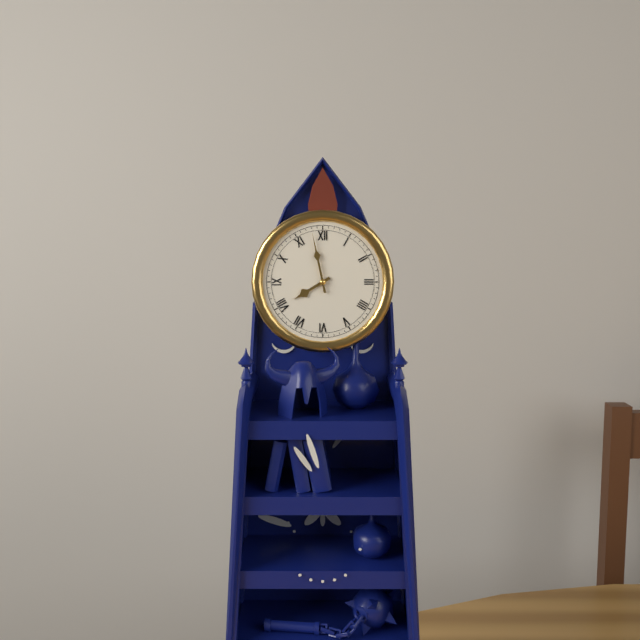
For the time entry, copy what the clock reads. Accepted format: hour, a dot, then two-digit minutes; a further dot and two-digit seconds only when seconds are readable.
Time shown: 7.58
